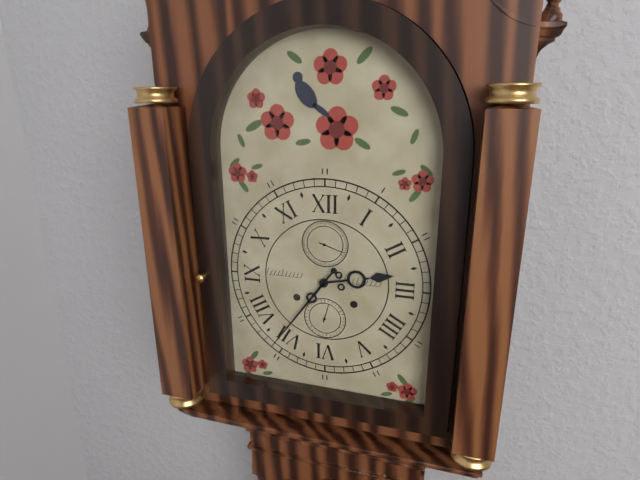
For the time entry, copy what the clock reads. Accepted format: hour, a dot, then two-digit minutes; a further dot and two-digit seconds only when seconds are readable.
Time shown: 2.36
